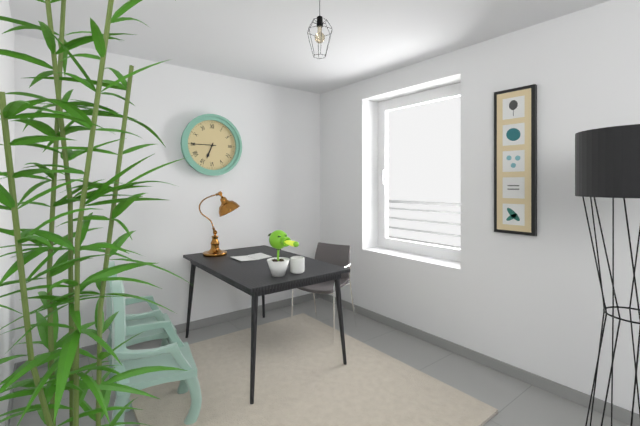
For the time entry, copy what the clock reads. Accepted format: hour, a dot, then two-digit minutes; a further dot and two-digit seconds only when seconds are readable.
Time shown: 6.45
